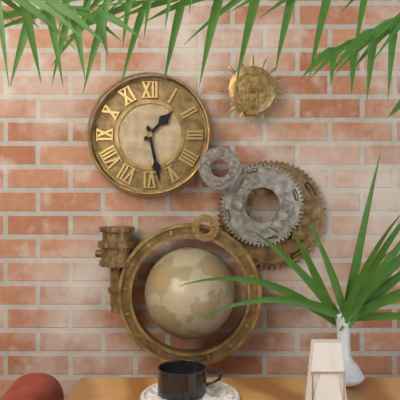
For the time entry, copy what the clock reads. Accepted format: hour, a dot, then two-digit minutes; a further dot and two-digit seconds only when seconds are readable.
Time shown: 1.28
